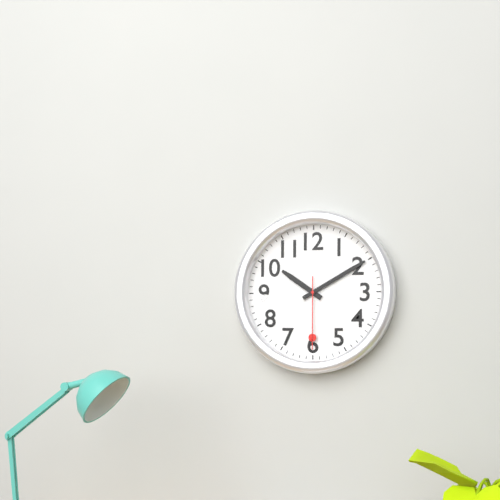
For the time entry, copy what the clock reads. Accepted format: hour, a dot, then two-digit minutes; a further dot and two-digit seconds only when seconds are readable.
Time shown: 10.10.30
